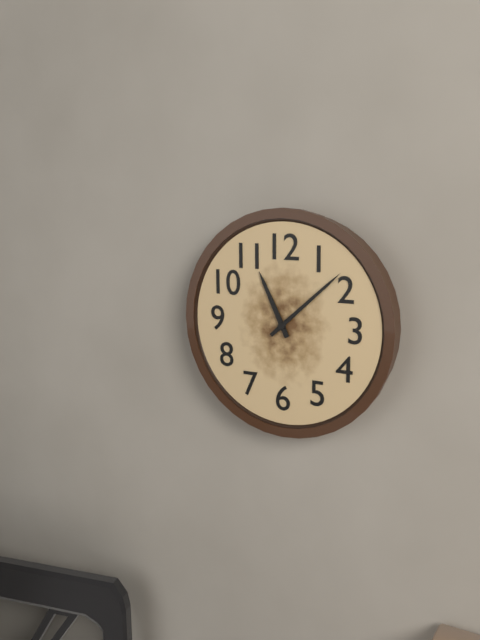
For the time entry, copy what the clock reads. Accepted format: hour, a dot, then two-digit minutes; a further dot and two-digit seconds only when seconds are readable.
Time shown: 11.08
